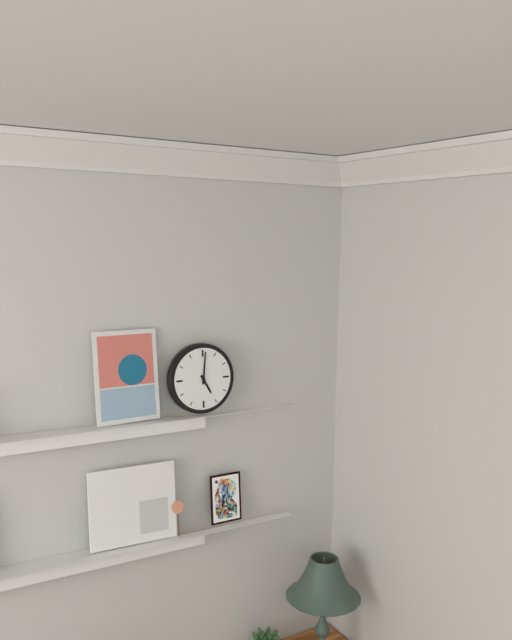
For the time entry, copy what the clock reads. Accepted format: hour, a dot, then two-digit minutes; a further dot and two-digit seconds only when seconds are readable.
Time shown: 5.01
